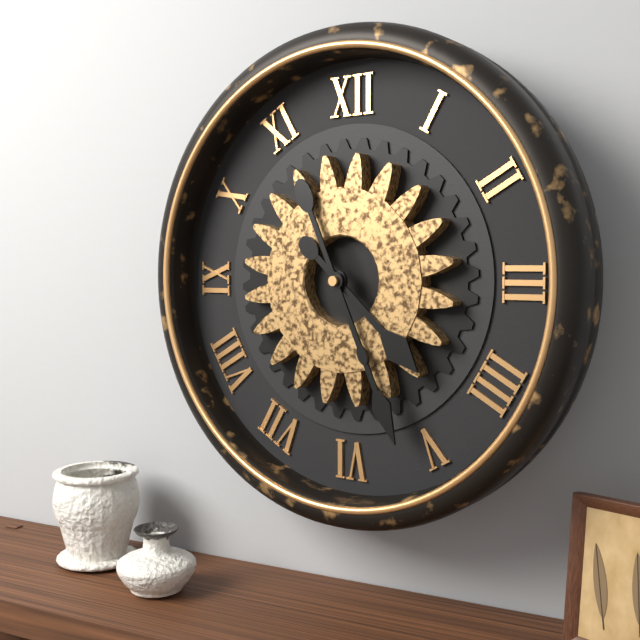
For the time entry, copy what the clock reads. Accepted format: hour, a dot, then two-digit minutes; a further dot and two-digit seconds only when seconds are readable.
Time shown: 4.26
